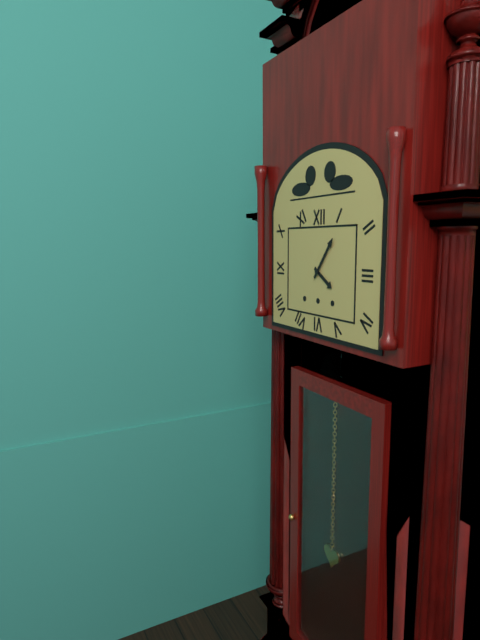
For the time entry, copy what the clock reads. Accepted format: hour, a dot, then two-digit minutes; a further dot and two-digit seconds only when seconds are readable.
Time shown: 4.06
